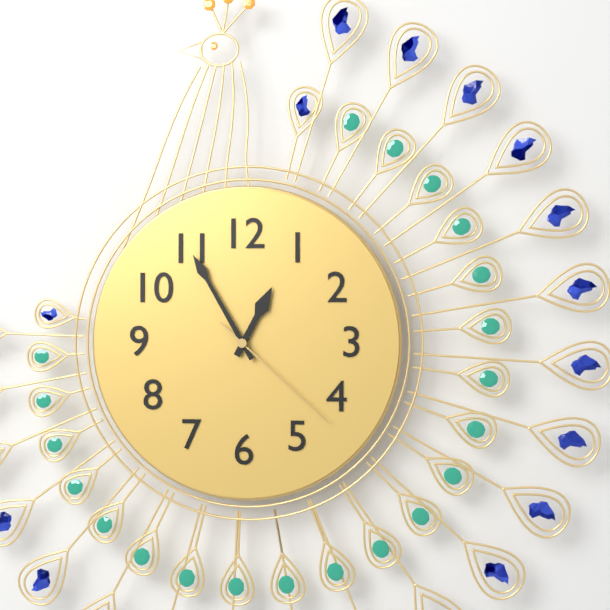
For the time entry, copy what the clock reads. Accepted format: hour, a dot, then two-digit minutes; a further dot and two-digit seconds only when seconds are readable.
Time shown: 12.55.22
